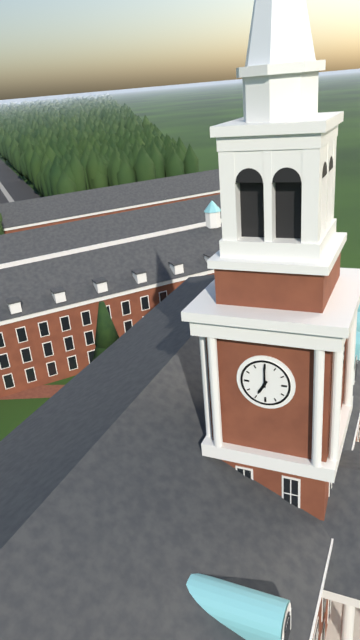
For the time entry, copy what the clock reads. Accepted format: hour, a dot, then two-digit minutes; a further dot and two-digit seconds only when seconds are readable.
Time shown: 7.00
